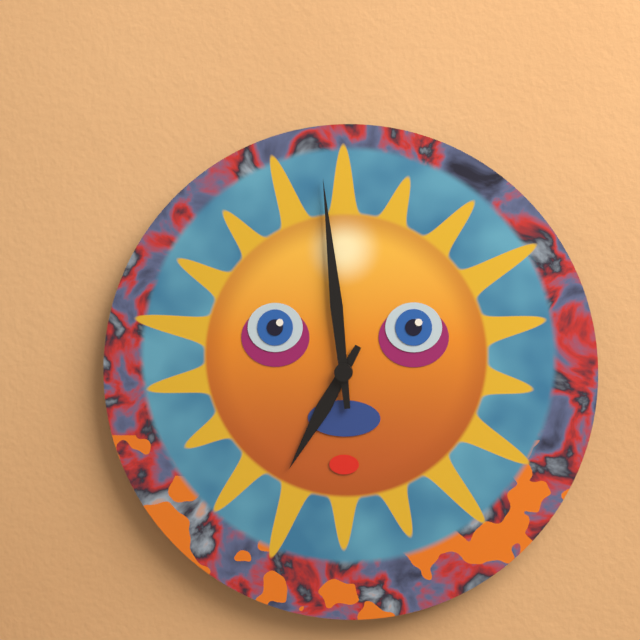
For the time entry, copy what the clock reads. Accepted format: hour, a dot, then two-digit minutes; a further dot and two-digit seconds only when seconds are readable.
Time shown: 6.59
